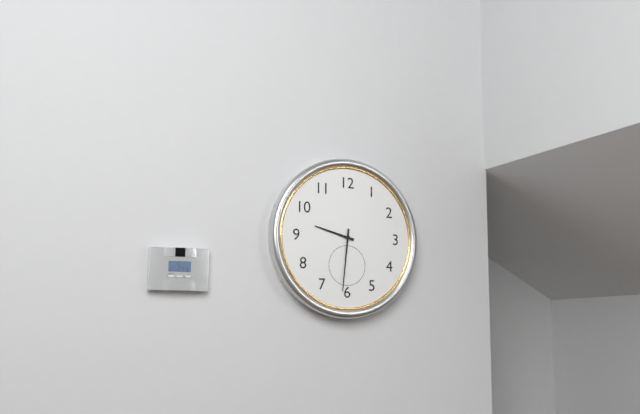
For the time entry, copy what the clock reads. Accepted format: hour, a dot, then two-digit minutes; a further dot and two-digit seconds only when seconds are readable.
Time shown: 9.31
